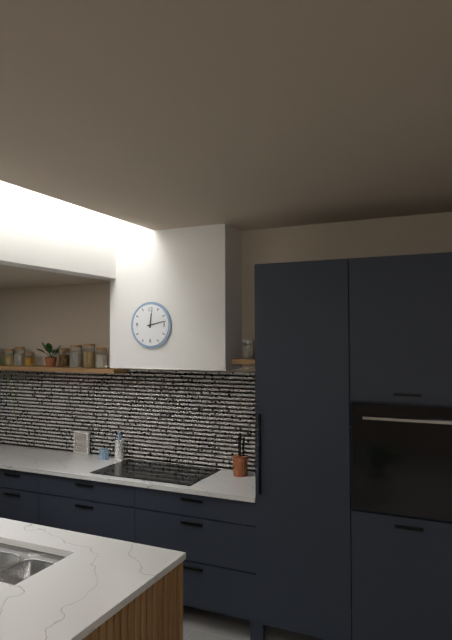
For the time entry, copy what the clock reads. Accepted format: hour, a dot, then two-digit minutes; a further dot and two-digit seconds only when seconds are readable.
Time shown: 12.13
